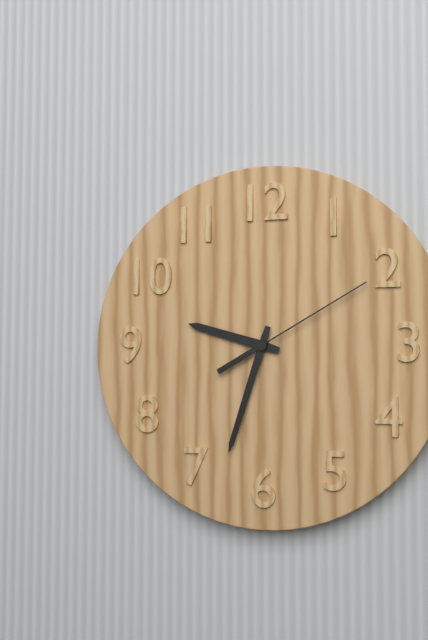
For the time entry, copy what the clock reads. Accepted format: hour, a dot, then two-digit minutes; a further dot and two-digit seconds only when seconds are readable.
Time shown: 9.33.10
